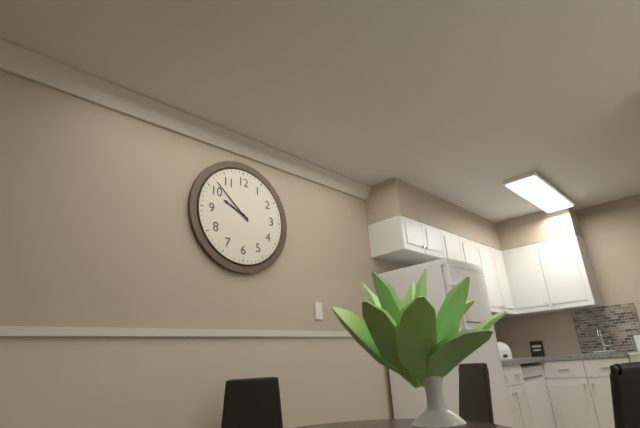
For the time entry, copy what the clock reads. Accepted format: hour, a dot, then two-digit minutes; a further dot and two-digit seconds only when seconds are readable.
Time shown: 9.52
